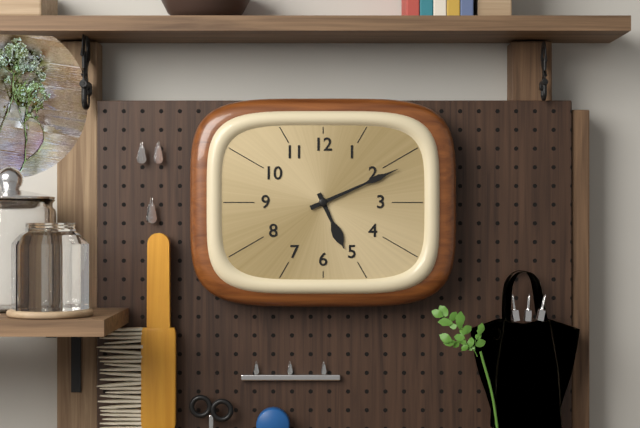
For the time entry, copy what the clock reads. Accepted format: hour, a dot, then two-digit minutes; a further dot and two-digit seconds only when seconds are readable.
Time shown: 5.11
